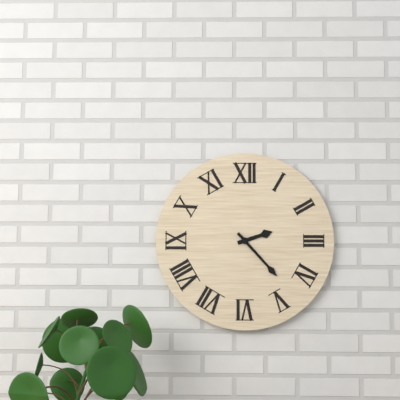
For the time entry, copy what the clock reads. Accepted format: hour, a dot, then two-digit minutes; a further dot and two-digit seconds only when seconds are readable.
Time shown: 2.23
